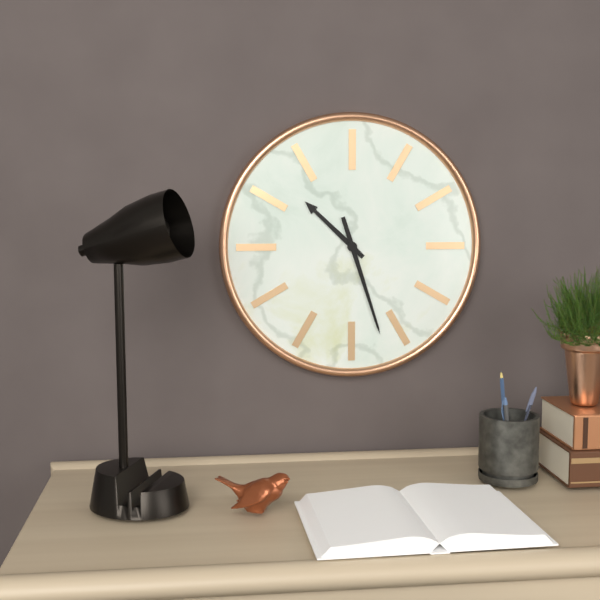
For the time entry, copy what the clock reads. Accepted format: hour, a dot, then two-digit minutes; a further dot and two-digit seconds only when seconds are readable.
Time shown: 10.27
